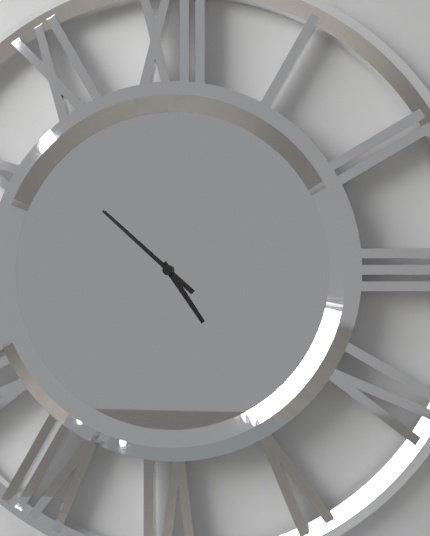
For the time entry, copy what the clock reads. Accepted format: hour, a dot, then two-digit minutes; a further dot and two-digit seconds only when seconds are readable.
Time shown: 4.52
